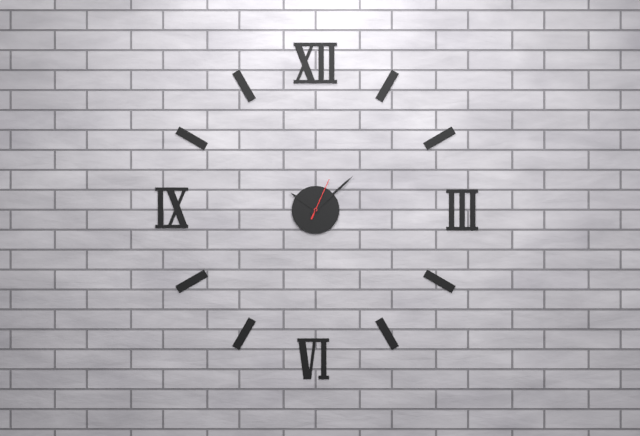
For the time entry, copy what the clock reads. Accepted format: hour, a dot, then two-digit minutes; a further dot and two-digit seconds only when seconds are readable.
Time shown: 10.08
